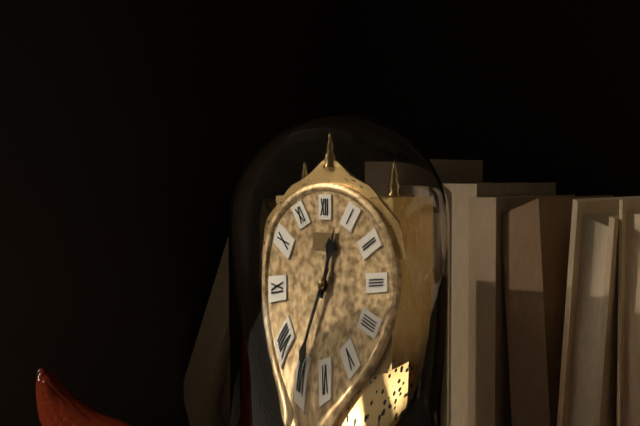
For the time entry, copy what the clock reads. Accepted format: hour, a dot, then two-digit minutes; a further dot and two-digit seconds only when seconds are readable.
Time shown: 12.35
